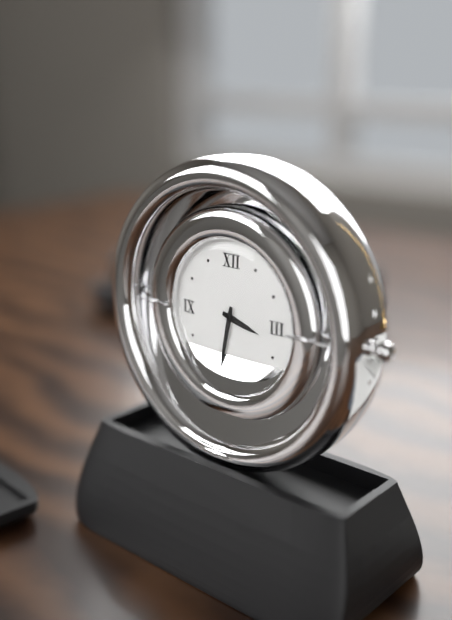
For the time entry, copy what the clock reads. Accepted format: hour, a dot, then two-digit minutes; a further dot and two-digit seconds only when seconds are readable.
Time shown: 3.32
